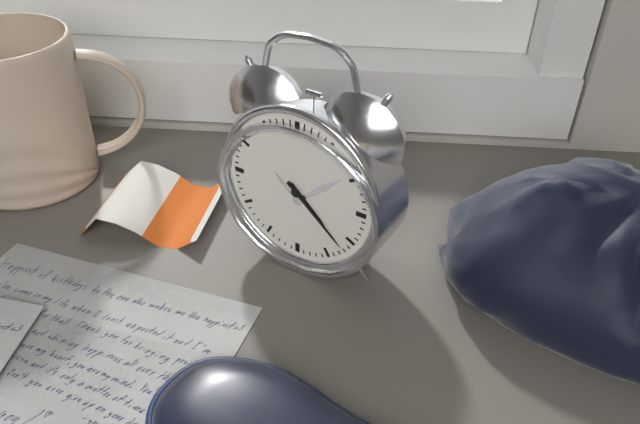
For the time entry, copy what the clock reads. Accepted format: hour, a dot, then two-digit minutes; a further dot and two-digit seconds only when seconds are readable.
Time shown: 4.22
